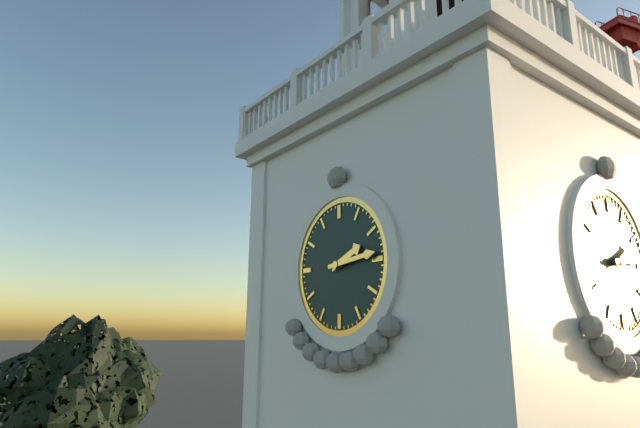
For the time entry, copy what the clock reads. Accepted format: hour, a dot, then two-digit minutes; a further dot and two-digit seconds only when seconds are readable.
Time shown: 2.14
